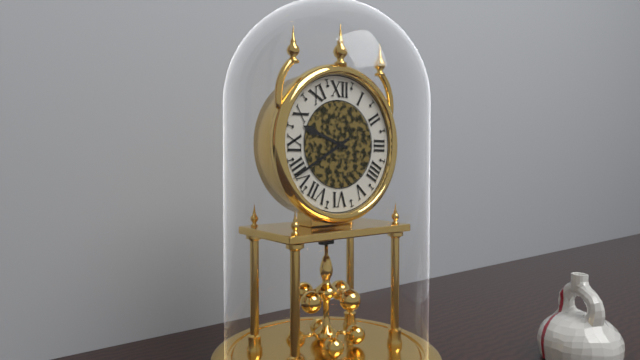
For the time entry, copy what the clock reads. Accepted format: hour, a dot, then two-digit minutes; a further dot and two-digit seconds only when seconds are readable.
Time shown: 9.40
